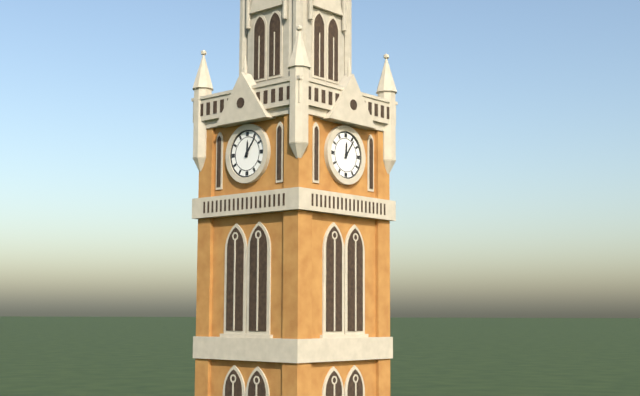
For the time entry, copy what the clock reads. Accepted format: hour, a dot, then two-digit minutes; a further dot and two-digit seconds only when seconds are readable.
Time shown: 12.06
